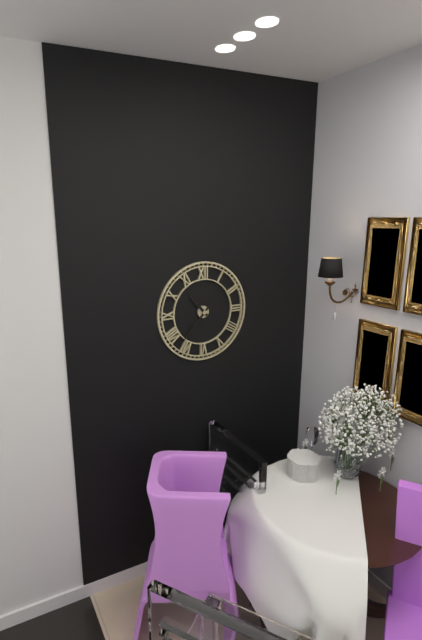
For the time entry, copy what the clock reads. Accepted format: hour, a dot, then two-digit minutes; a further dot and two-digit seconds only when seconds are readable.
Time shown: 10.37
